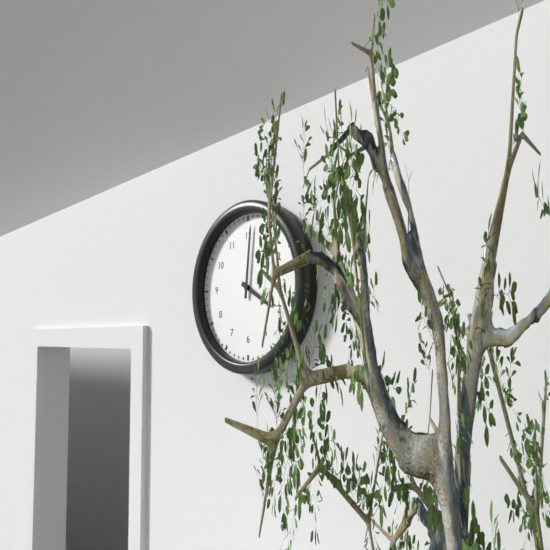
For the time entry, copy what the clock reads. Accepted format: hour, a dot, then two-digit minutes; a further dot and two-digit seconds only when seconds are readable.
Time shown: 4.01
